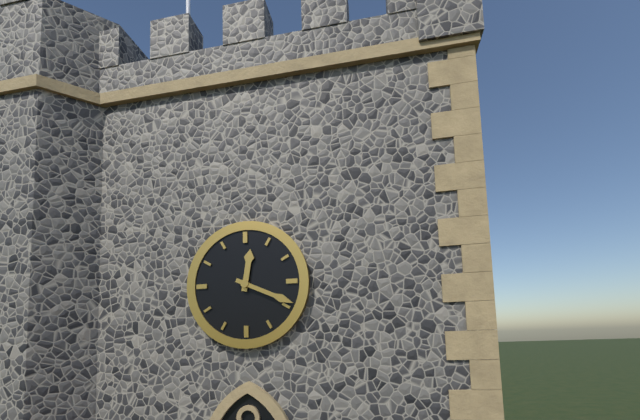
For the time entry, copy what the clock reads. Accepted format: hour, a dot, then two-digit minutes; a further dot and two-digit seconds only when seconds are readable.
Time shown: 12.19
